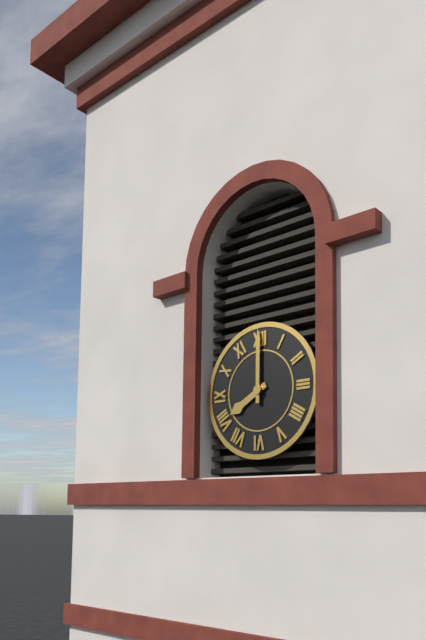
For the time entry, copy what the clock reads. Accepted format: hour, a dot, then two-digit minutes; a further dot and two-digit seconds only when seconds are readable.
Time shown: 8.00
